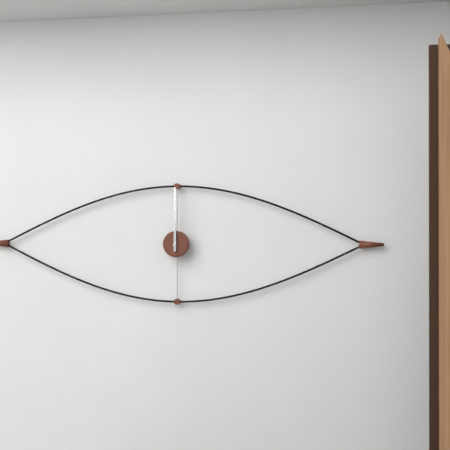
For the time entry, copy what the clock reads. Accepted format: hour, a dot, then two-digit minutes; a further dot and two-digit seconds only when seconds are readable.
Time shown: 12.00
